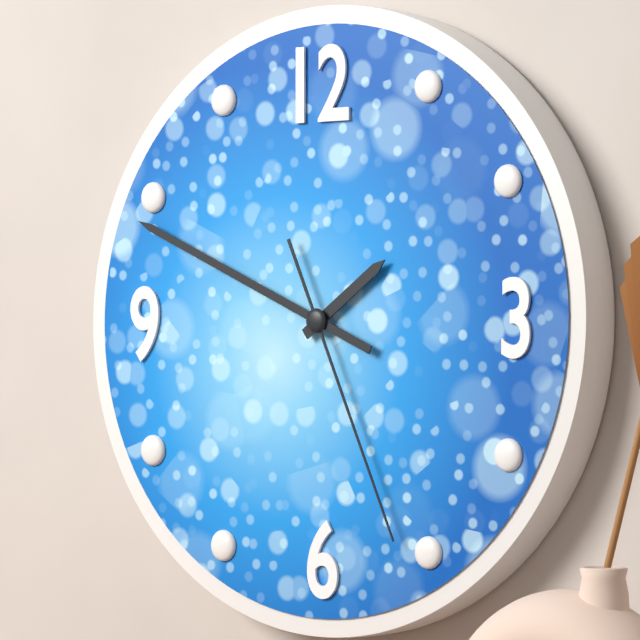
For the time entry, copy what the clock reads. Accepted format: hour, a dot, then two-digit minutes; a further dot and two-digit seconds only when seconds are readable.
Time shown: 1.49.26
